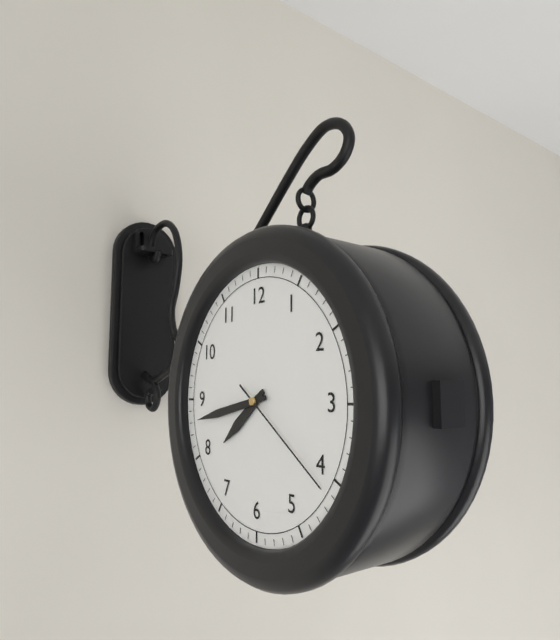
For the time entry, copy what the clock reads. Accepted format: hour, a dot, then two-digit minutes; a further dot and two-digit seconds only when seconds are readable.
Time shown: 7.43.21
